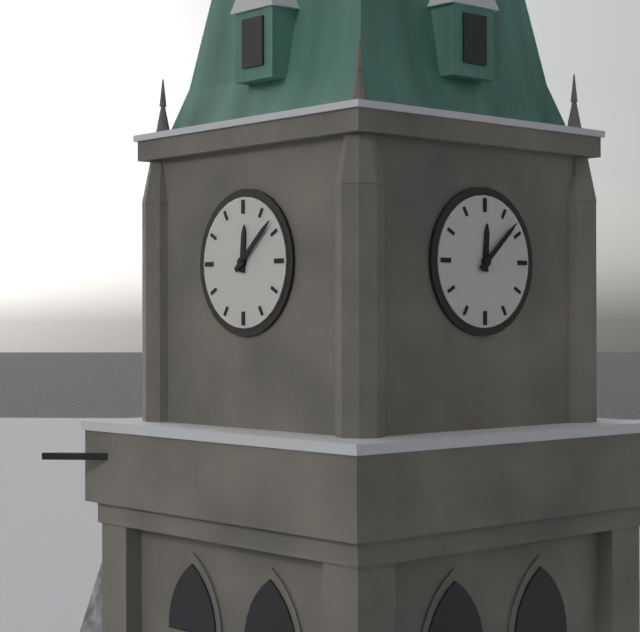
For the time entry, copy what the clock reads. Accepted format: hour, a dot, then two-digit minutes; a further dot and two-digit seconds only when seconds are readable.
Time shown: 12.08
